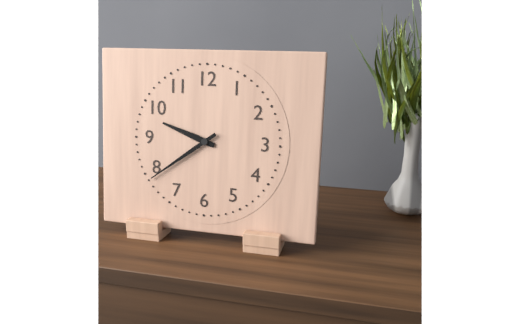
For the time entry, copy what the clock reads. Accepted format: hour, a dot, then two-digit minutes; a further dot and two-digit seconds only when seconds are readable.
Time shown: 9.39
